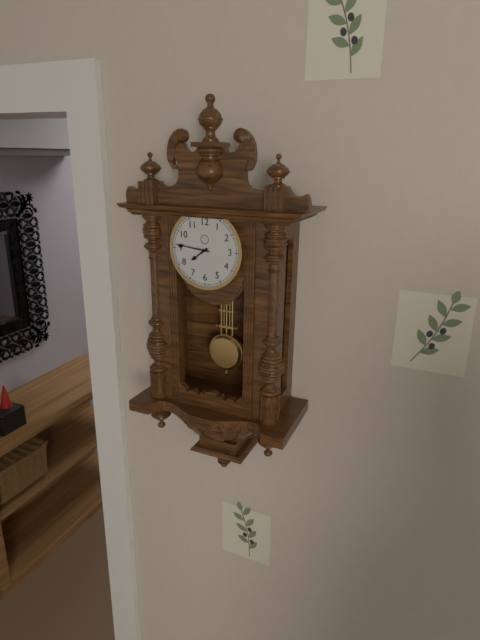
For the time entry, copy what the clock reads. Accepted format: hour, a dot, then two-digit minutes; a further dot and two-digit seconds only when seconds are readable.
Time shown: 7.46
